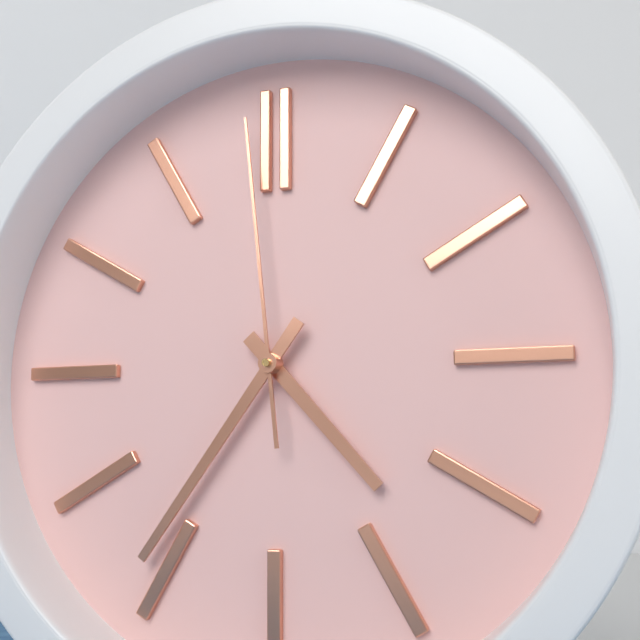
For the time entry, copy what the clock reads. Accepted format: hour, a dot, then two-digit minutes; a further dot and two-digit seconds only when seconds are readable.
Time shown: 4.36.59
